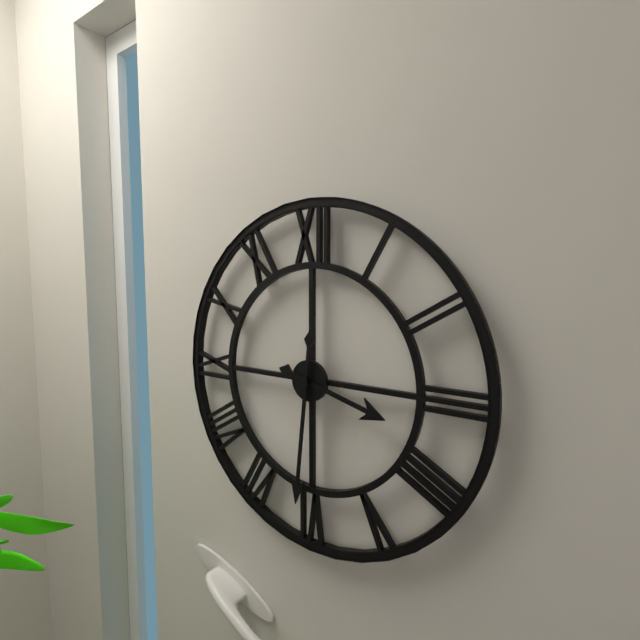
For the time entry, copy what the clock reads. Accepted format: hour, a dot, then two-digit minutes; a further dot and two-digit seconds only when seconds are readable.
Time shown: 3.31
